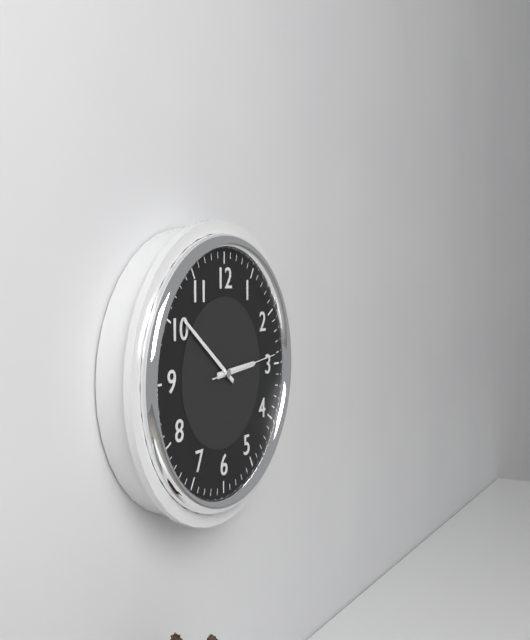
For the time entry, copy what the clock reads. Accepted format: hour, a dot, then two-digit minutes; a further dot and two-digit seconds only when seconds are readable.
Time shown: 2.51.14
